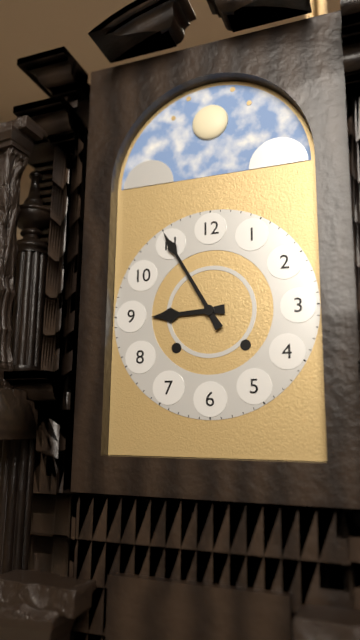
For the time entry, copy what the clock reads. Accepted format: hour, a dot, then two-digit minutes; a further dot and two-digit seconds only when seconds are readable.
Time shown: 8.55
